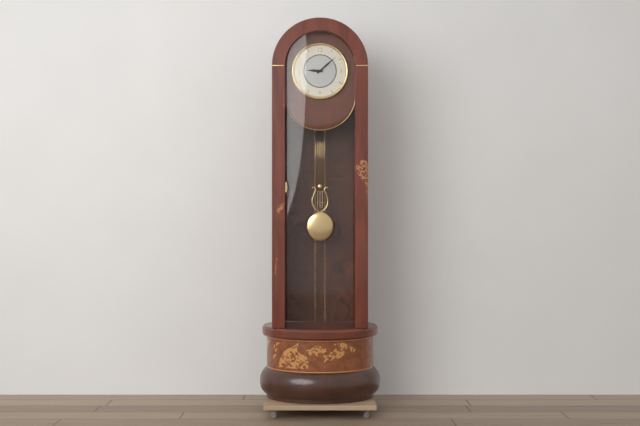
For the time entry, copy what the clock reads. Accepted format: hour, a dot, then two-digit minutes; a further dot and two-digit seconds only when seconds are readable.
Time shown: 9.08
